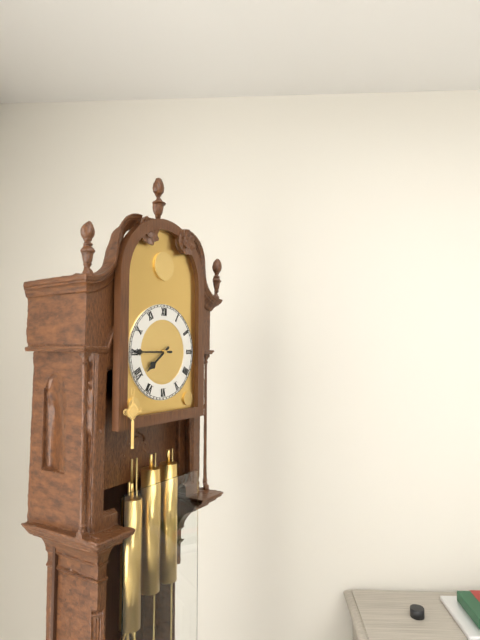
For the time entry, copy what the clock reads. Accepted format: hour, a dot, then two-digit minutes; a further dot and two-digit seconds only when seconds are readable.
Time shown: 7.45
